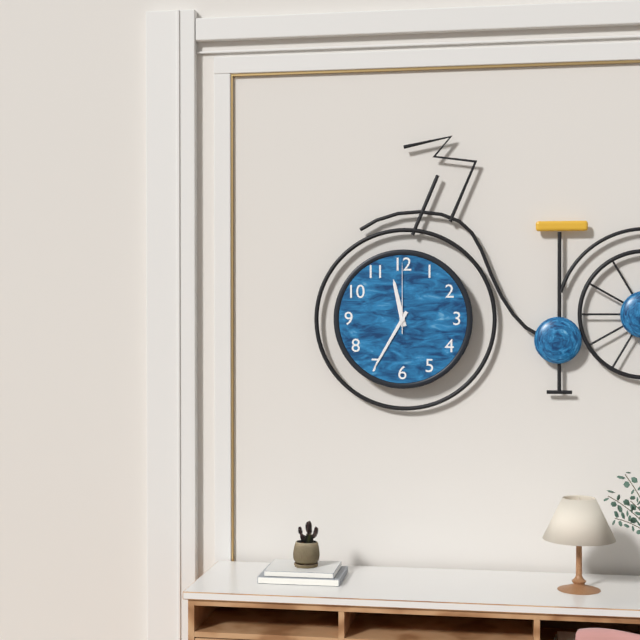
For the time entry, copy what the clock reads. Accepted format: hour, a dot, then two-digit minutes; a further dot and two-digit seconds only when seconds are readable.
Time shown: 11.35.00
